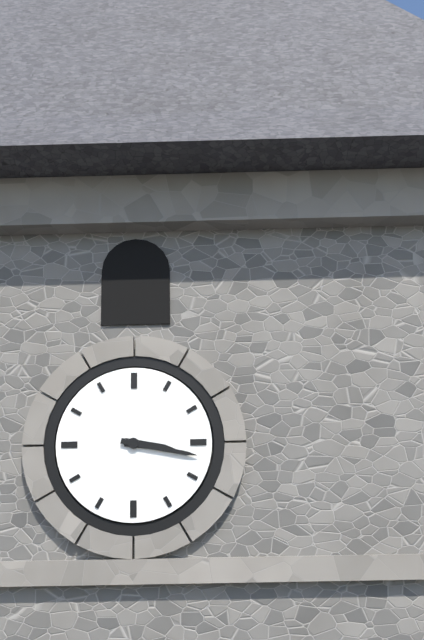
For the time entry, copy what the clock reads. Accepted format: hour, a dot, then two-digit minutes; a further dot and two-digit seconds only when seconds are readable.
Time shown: 3.17
